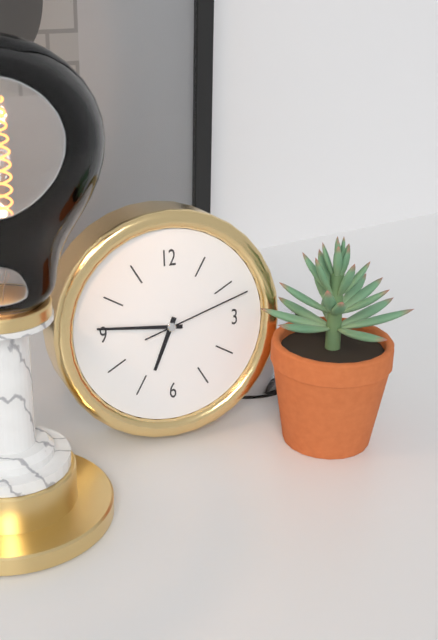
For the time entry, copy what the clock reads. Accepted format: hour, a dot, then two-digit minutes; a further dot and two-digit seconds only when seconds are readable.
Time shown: 6.46.12
